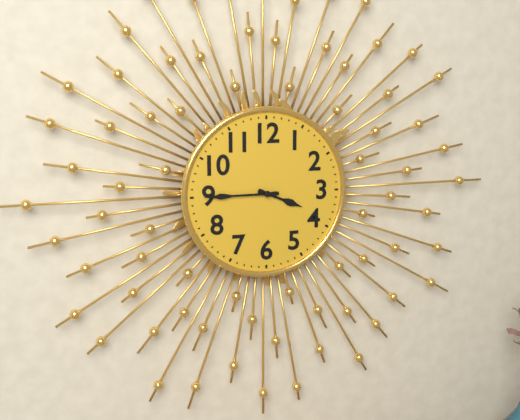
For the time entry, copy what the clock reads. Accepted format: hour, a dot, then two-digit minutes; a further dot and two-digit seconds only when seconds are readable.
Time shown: 3.45
